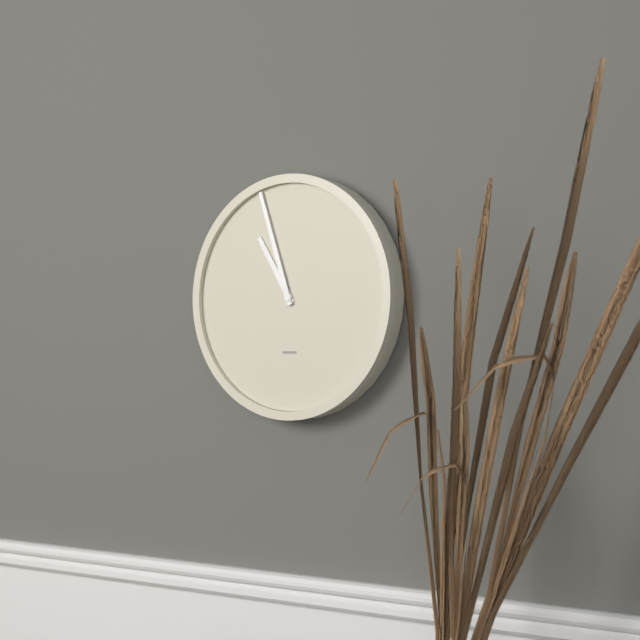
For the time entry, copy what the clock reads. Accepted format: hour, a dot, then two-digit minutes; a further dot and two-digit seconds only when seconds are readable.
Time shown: 10.57
